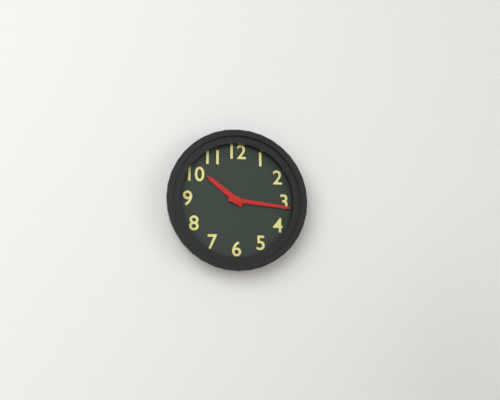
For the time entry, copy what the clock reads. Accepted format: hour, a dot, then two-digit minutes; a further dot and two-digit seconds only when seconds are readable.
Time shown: 10.16
